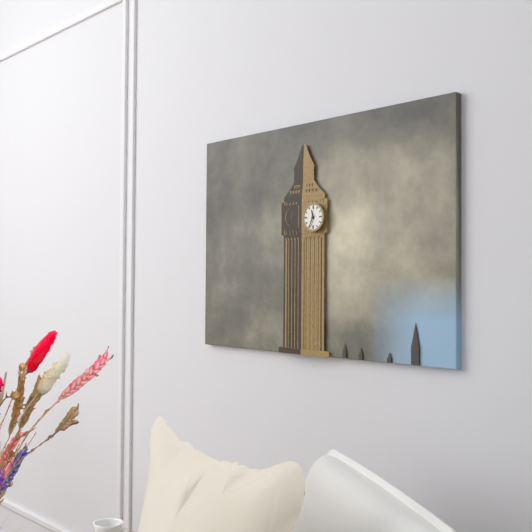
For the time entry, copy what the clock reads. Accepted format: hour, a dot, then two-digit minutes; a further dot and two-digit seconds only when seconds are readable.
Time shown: 11.34
